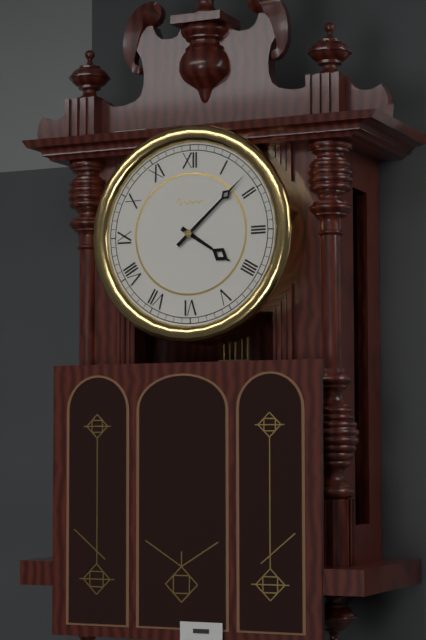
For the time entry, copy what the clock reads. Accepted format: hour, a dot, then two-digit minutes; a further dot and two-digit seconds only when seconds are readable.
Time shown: 4.08
